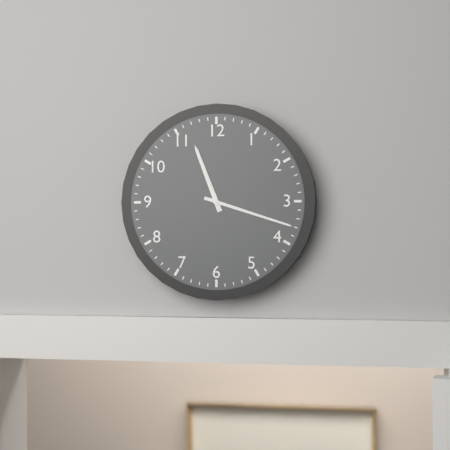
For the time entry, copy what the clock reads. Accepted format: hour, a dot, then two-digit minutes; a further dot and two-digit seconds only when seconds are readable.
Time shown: 11.18
